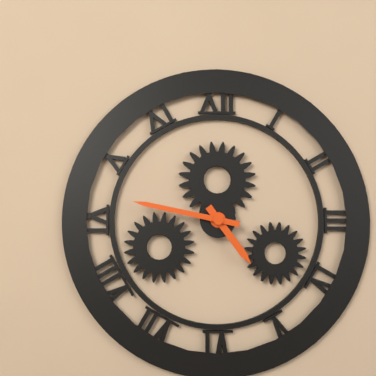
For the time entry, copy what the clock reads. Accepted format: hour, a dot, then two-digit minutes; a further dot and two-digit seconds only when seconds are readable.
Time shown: 4.47
